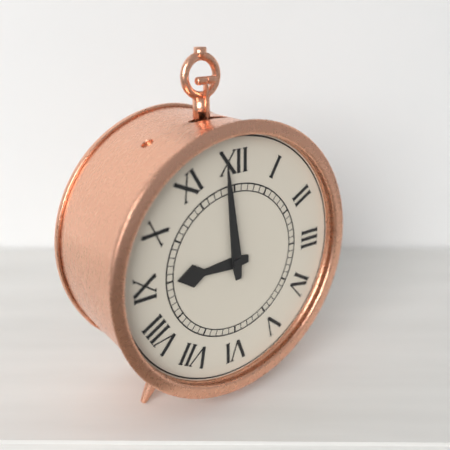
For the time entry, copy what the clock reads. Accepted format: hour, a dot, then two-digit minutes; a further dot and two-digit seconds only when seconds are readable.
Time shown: 8.59
